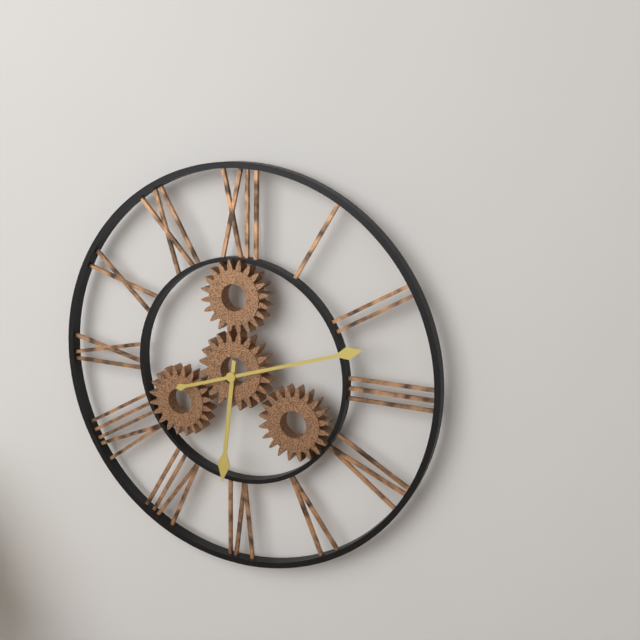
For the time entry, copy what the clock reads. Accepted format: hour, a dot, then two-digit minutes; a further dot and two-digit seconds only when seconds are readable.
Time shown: 6.12
